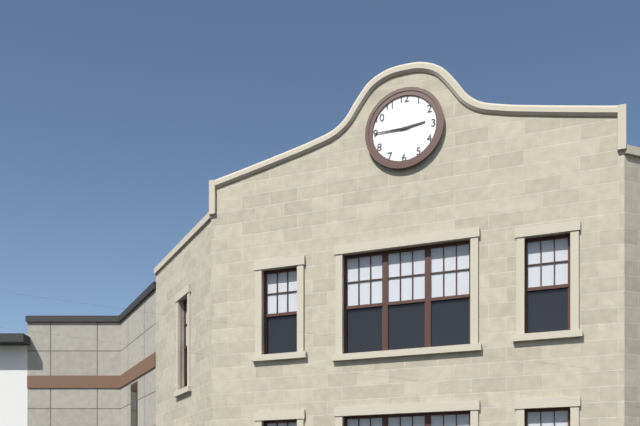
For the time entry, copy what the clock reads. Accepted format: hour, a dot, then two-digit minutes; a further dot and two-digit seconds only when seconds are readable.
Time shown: 2.45
